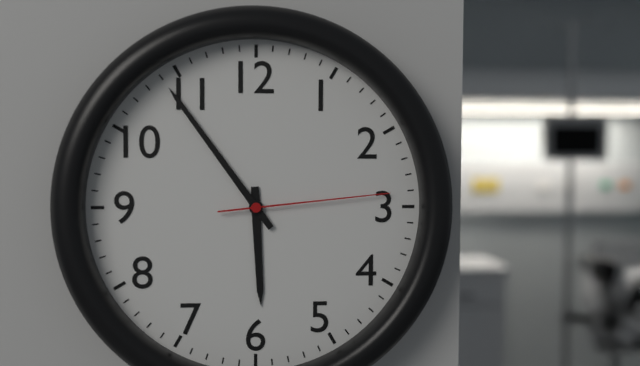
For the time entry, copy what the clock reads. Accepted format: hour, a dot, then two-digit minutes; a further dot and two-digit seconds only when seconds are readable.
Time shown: 5.54.14
